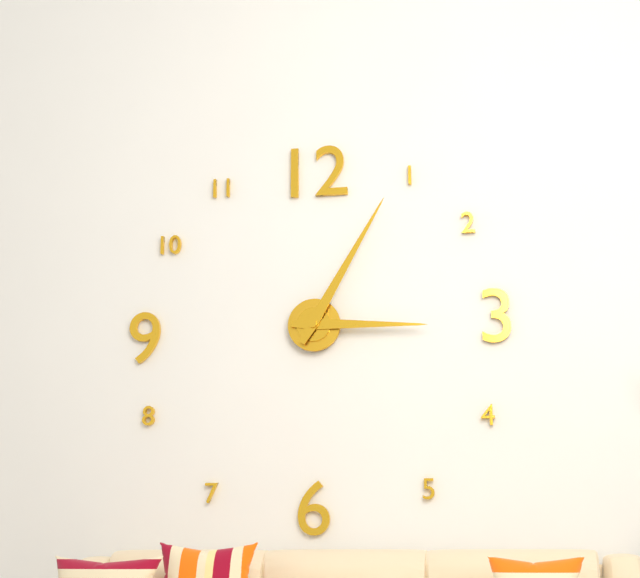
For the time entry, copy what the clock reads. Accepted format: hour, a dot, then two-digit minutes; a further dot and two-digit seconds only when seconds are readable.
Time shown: 3.05
